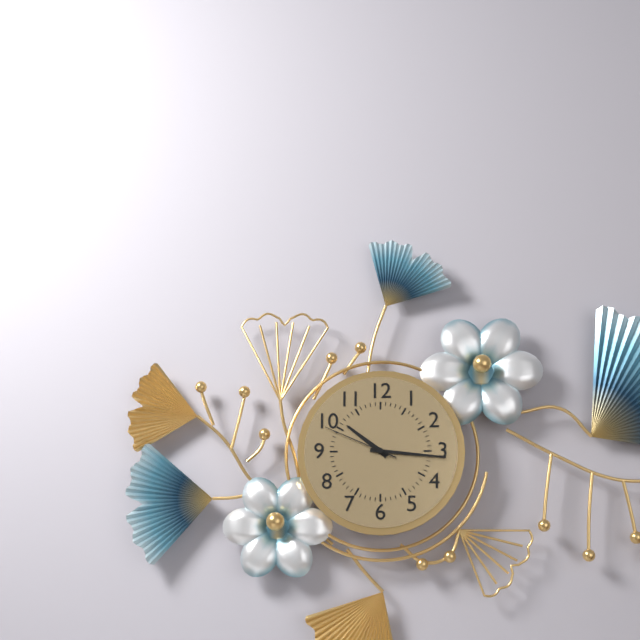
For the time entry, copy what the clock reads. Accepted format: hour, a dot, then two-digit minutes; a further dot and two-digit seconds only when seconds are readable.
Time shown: 10.16.49
